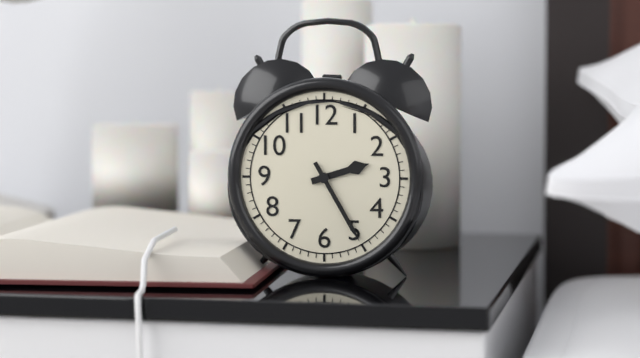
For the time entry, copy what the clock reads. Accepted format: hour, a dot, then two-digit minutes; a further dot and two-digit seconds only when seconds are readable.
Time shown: 2.25
